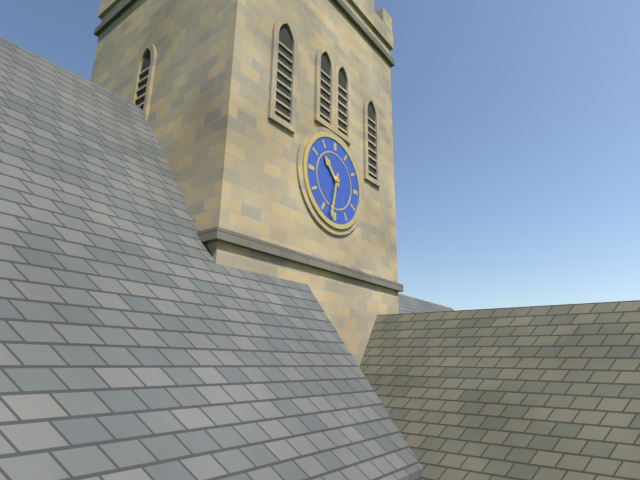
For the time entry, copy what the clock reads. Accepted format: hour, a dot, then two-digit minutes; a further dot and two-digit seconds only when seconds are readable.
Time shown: 10.32
